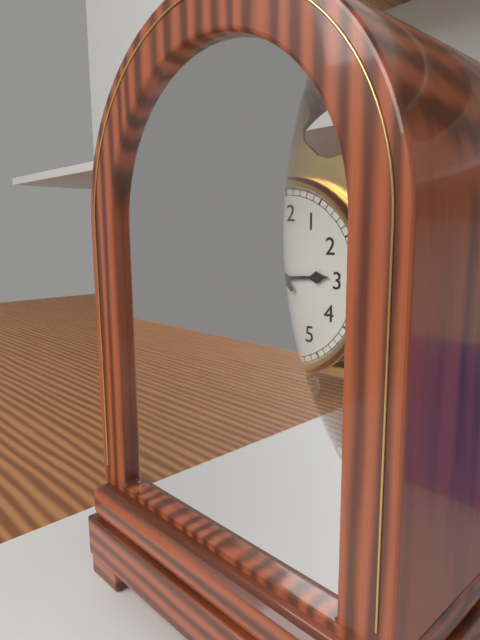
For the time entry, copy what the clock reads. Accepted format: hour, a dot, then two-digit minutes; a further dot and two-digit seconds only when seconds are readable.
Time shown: 2.52
